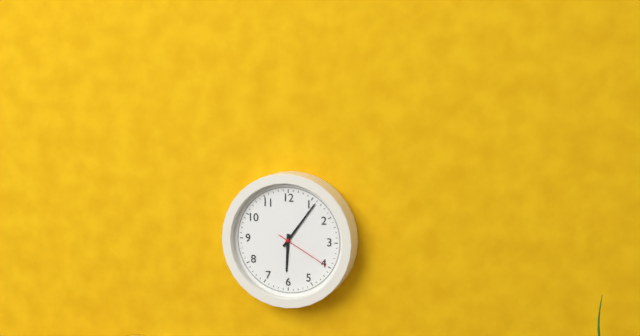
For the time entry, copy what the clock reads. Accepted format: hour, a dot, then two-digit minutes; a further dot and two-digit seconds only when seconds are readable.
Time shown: 6.06.20
